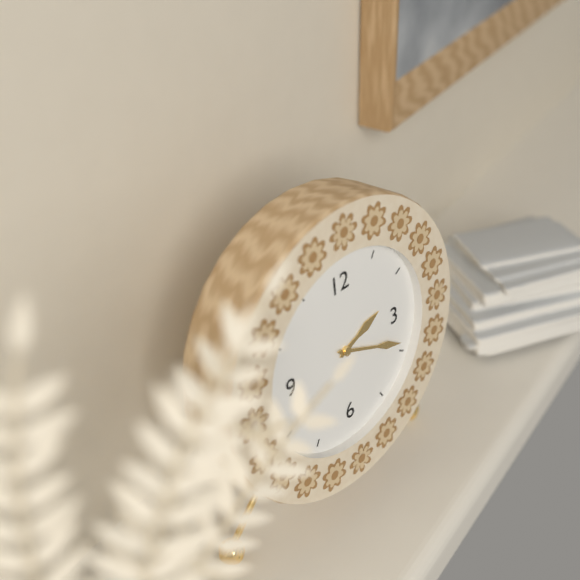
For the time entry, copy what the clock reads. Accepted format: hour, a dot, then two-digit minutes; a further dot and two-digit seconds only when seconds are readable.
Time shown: 2.19
